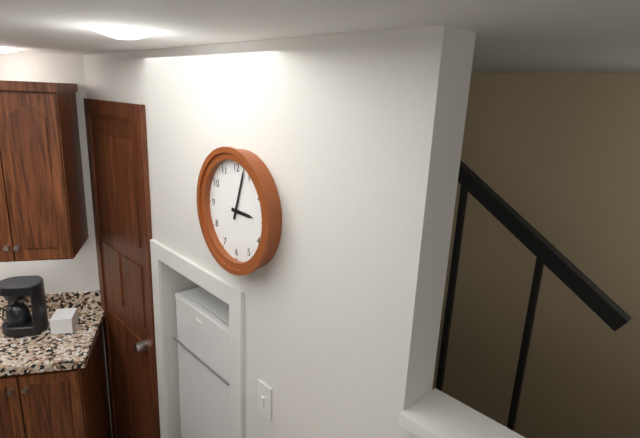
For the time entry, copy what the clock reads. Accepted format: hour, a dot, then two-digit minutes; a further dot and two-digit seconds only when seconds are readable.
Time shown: 3.03
